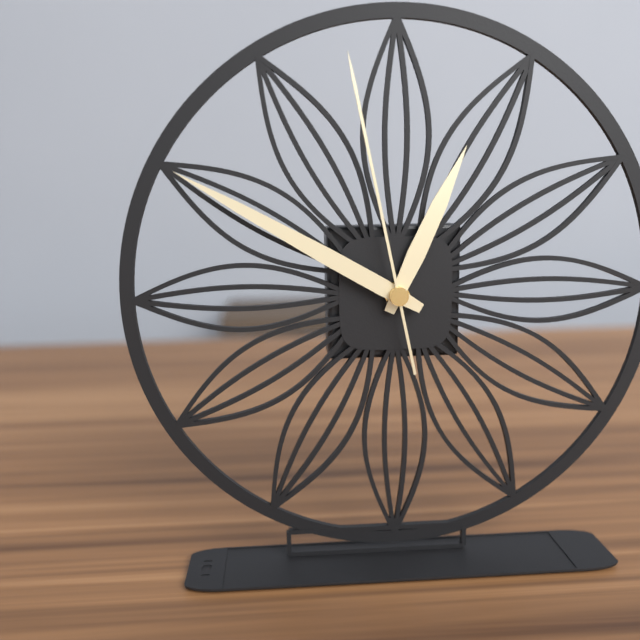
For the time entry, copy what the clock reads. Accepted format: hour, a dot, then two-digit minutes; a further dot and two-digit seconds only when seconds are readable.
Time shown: 12.50.58
